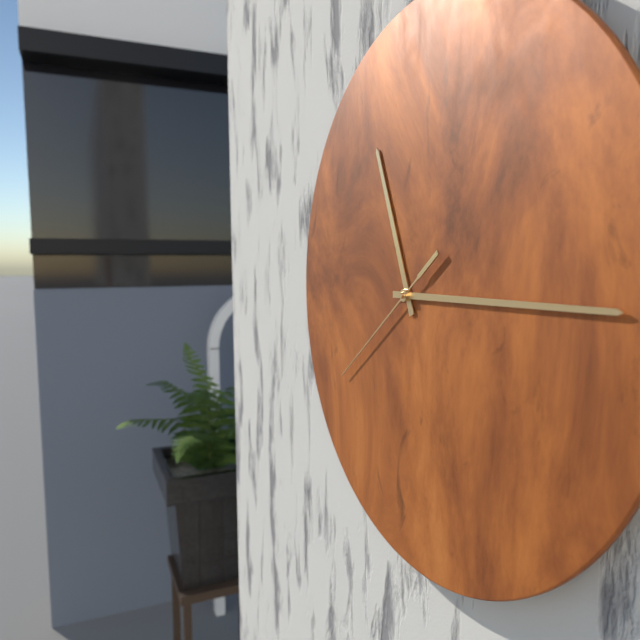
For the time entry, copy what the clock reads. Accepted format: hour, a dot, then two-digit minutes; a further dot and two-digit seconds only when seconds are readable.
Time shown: 11.15.39
